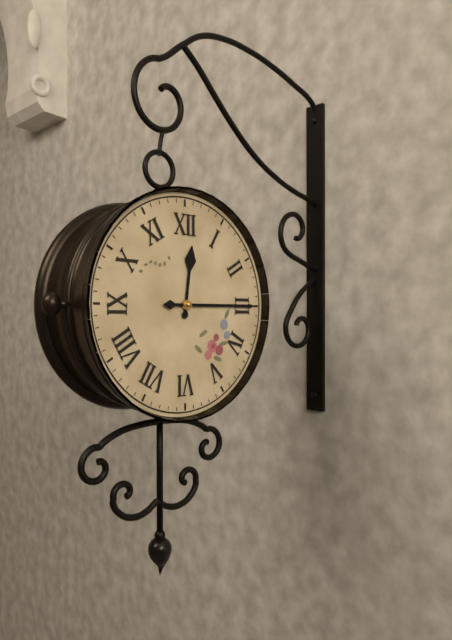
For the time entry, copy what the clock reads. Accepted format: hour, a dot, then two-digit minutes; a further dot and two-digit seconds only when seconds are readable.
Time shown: 12.15
